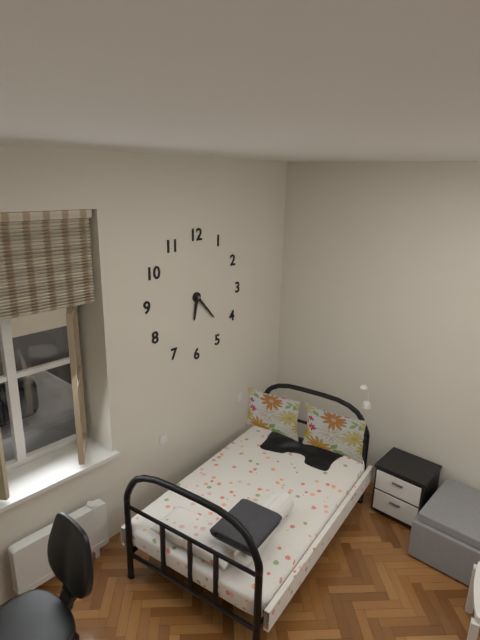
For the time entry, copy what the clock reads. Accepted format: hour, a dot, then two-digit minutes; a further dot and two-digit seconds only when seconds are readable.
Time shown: 6.23
